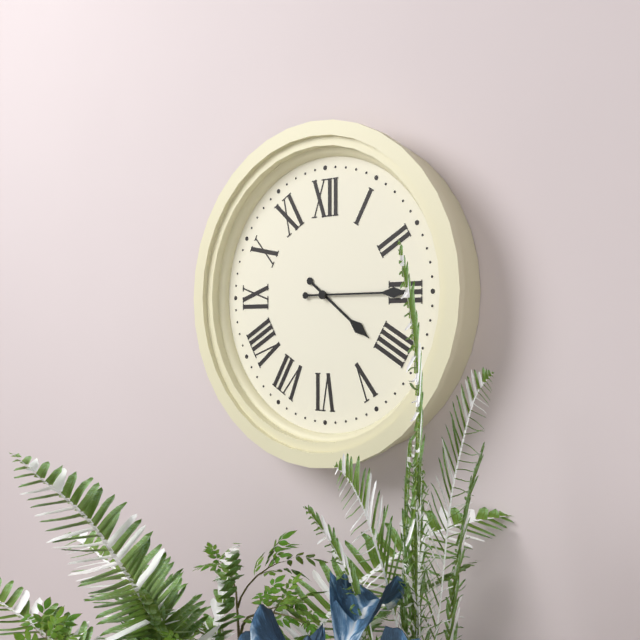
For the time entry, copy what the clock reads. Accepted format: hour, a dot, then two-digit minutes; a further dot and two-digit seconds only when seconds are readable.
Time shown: 4.15
